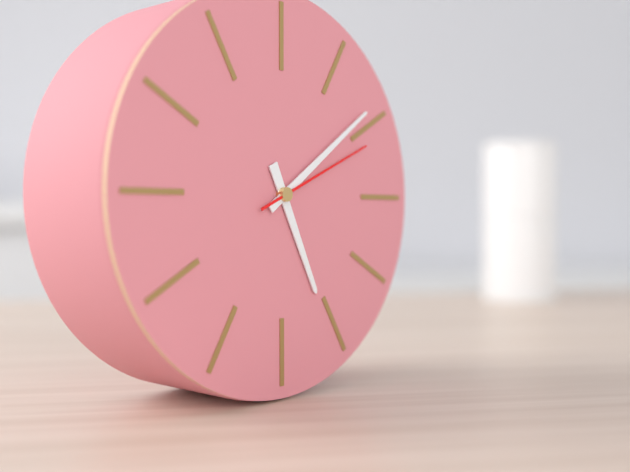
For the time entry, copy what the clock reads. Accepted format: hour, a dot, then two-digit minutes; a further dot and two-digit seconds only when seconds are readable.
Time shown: 5.09.11
